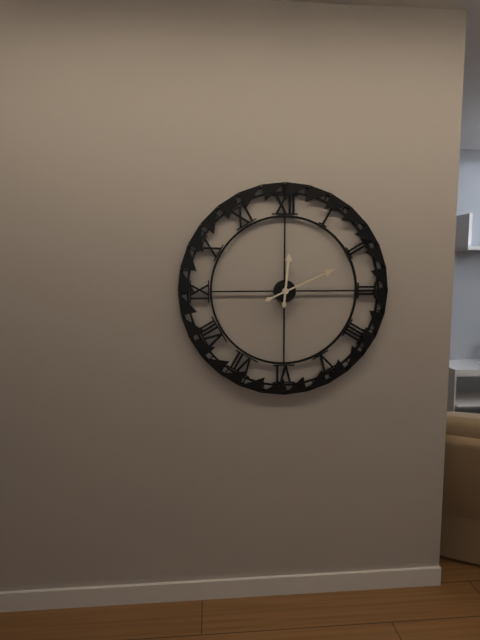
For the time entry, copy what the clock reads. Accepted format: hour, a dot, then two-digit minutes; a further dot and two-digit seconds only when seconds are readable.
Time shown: 12.11
